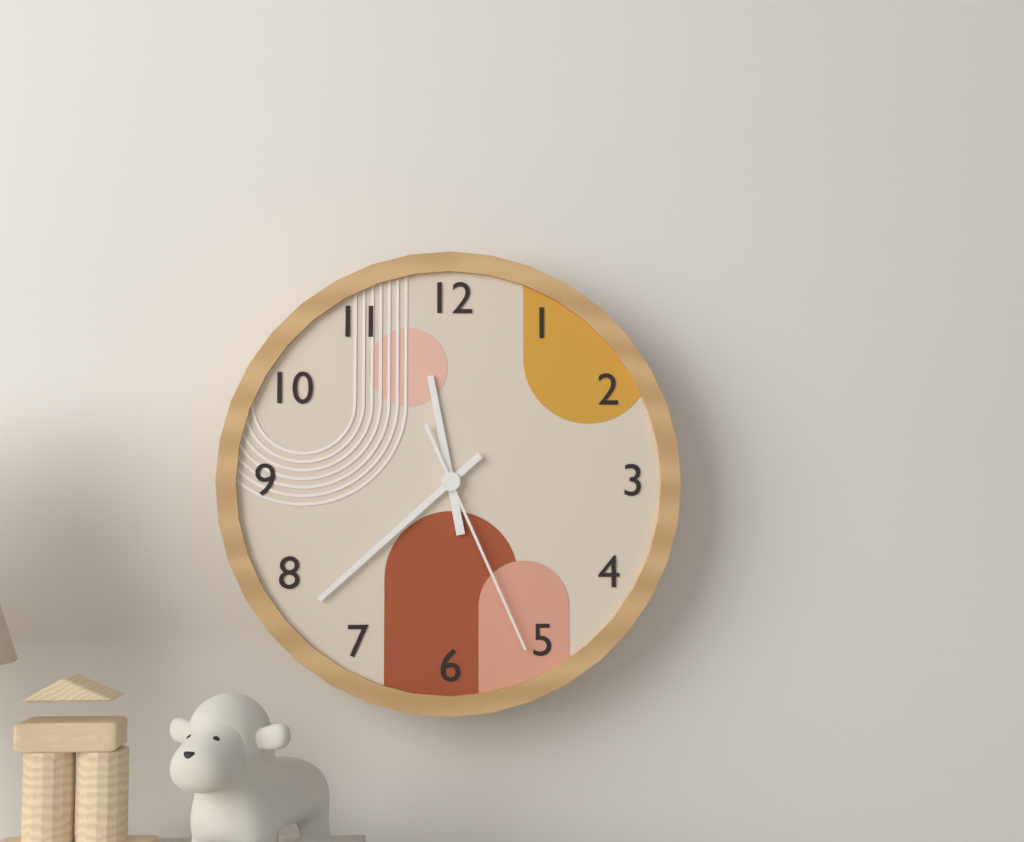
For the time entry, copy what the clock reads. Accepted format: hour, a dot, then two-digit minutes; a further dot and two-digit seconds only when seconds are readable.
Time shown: 11.38.26
